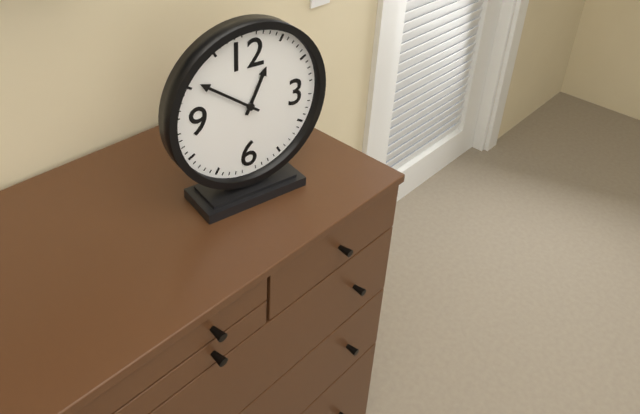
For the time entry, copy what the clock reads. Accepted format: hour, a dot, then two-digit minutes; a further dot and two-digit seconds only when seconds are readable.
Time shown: 12.51
